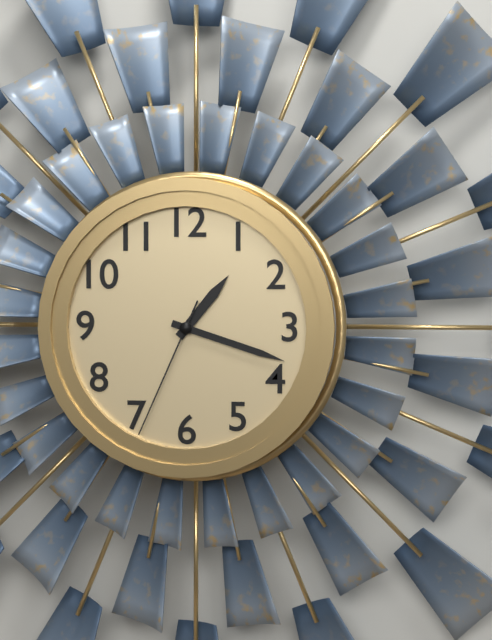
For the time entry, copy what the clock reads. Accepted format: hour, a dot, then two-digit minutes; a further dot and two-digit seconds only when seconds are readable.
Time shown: 1.18.34
